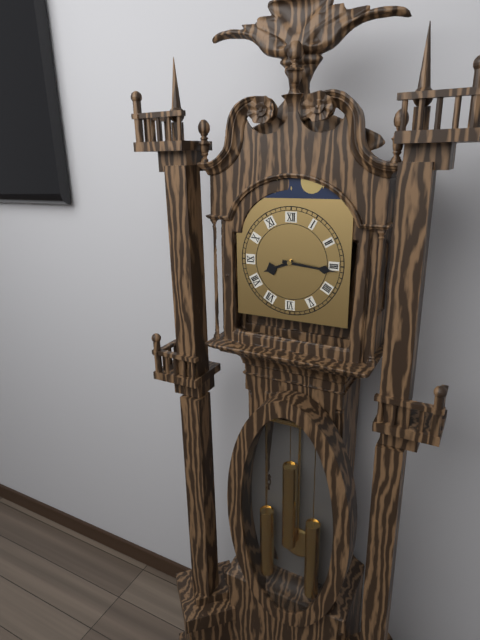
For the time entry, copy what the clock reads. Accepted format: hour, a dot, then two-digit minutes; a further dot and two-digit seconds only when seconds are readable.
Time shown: 8.16
